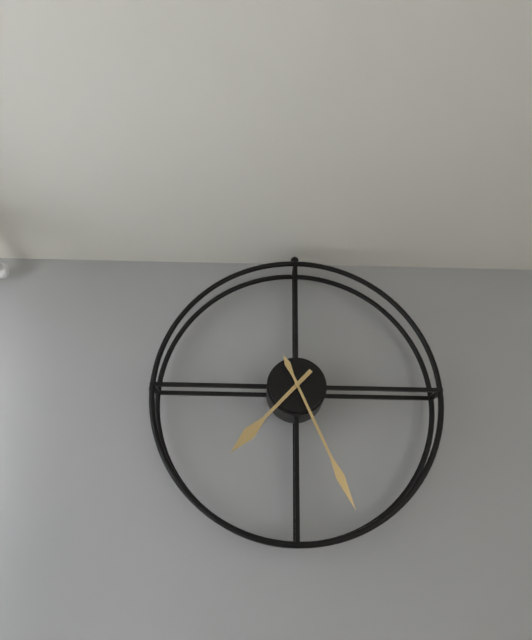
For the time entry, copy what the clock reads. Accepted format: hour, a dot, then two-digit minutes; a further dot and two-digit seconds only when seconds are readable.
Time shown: 7.26
